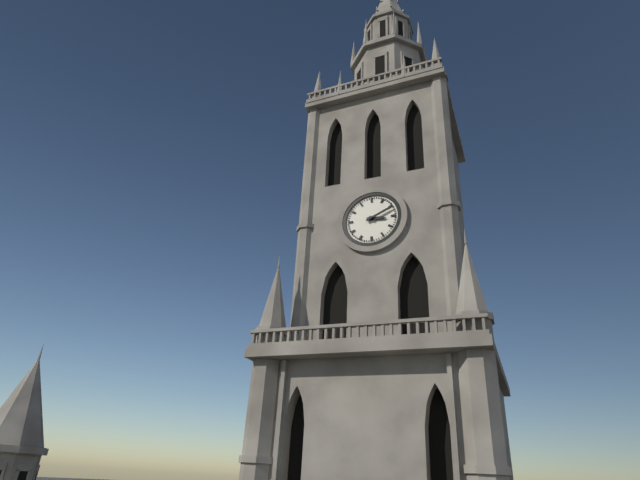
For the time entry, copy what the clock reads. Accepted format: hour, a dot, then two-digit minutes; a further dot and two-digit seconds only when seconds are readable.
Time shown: 3.11
